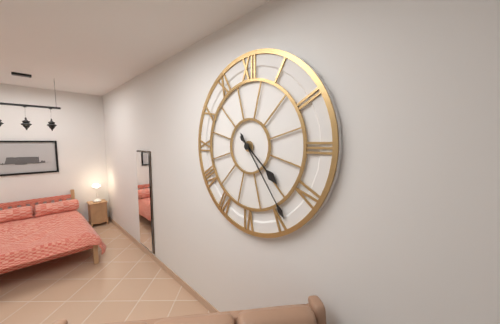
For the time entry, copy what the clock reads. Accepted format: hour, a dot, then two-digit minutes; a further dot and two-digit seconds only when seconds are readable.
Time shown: 4.24
